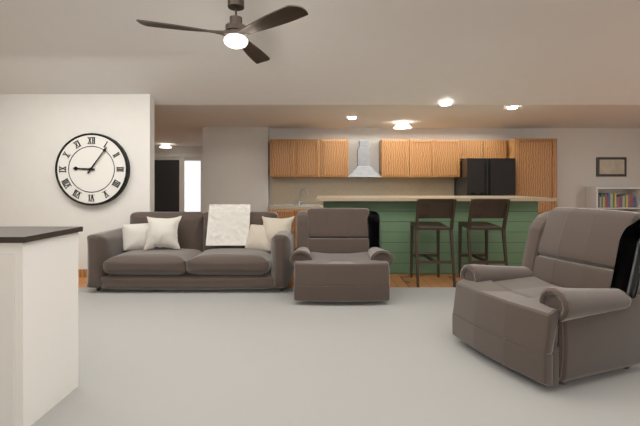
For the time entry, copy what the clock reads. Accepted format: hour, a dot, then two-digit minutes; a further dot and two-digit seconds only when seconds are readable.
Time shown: 9.06
